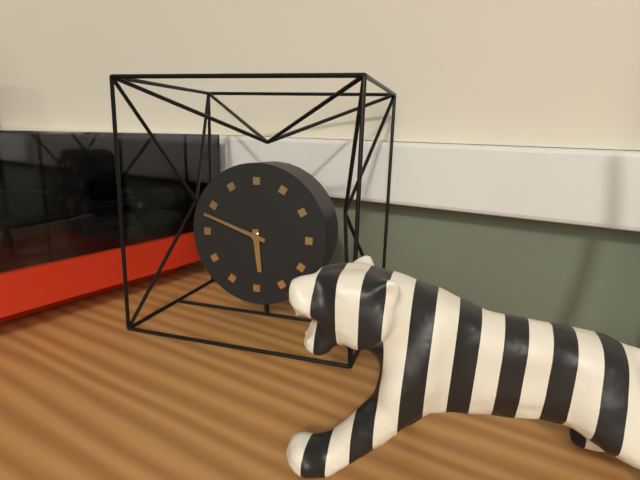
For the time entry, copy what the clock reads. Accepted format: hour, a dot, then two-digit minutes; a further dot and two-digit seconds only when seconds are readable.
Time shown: 5.48
